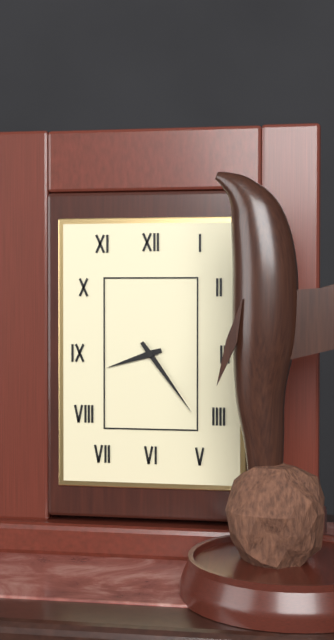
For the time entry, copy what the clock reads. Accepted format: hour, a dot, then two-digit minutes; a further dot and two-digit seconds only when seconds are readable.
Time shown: 8.24
